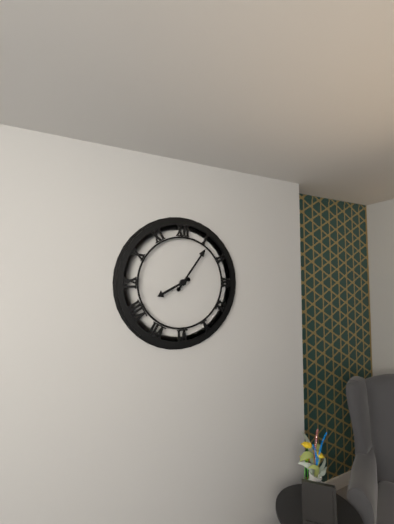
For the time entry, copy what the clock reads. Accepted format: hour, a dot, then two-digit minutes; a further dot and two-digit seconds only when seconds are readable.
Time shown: 8.06
